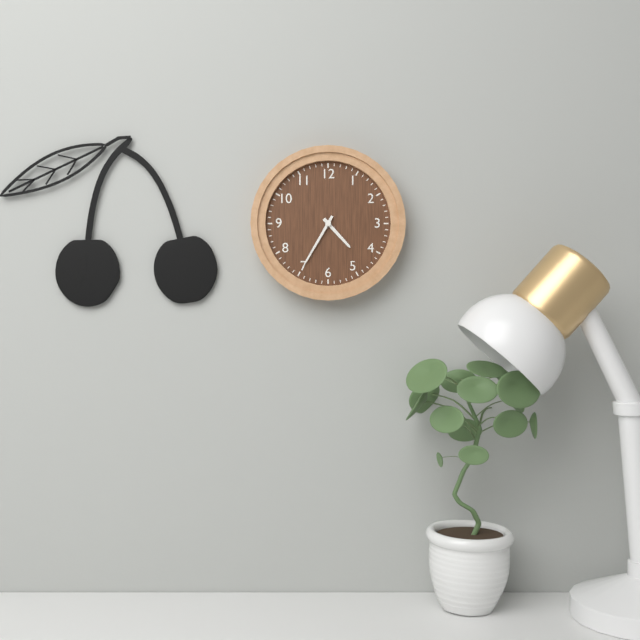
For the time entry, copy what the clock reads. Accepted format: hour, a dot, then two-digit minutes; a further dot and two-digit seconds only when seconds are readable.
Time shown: 4.35
